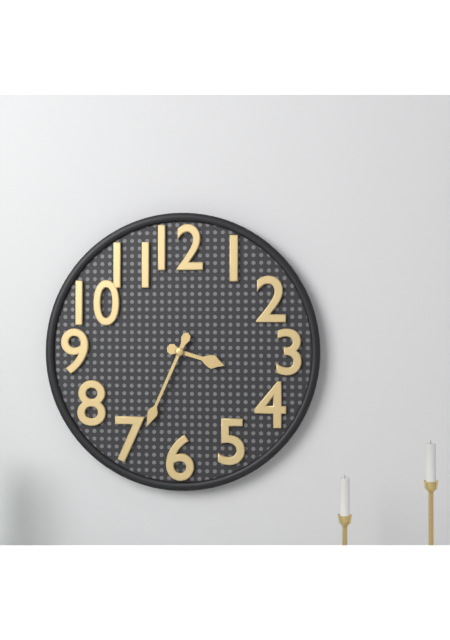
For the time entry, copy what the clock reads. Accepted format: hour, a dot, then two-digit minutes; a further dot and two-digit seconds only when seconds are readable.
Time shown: 3.34
